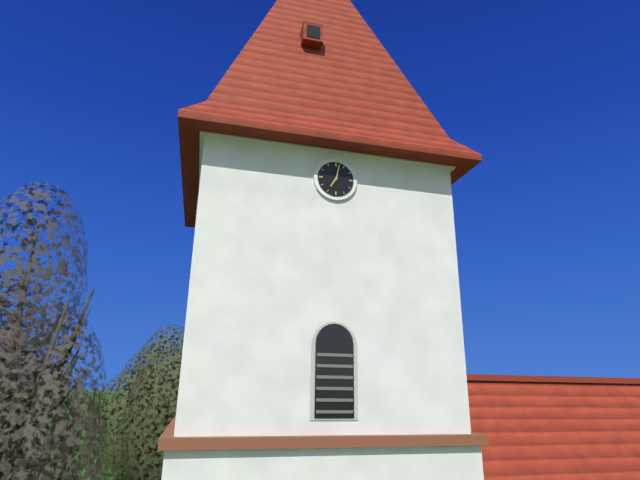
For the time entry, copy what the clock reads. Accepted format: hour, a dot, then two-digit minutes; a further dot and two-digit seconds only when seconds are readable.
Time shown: 7.02
